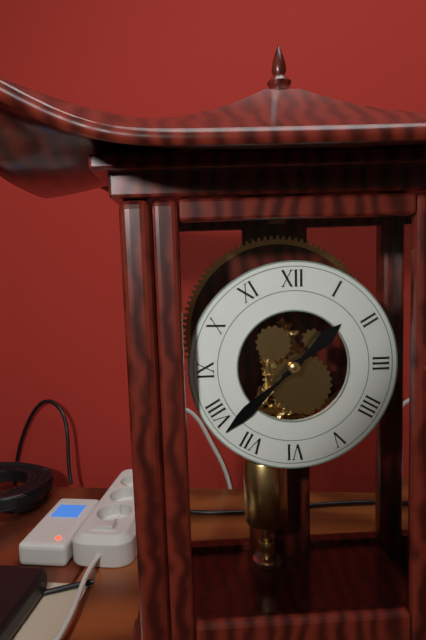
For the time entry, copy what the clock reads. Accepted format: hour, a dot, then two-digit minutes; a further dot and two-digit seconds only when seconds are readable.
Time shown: 1.38
